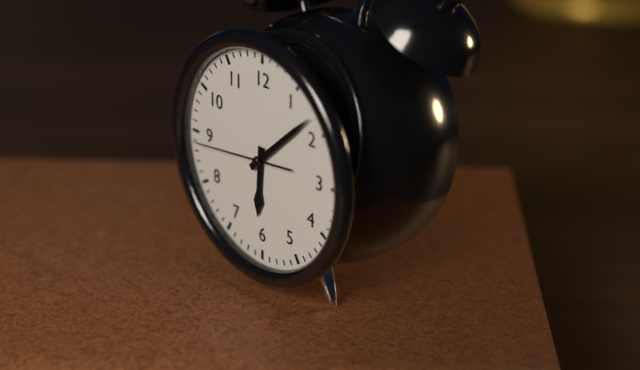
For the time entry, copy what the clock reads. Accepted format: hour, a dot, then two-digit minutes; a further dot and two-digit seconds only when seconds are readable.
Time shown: 6.08.44
